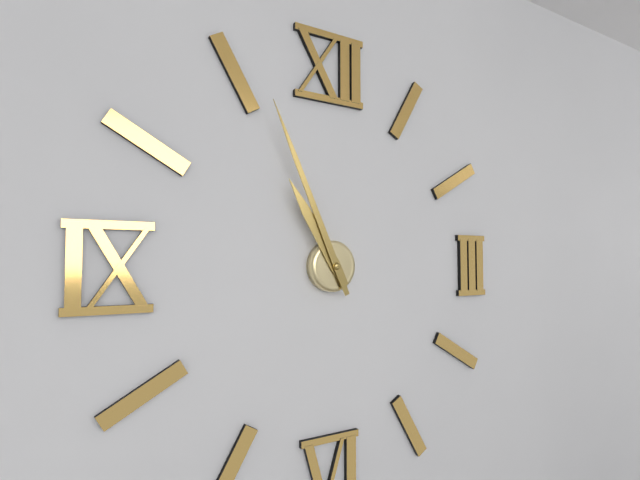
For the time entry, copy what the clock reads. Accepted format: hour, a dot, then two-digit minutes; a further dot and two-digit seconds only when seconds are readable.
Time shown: 10.56
